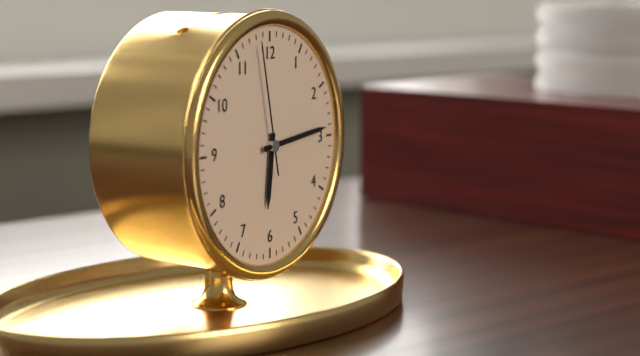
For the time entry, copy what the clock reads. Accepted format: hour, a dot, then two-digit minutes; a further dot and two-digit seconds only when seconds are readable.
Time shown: 6.14.58
